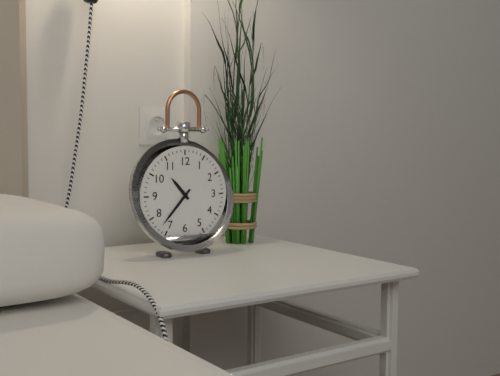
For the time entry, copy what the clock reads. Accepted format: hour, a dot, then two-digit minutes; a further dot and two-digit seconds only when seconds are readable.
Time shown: 10.37
